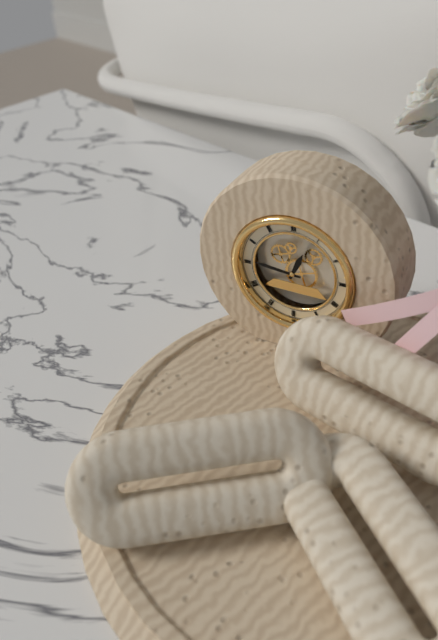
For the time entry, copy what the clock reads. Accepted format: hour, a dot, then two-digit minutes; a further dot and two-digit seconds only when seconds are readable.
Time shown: 12.46
